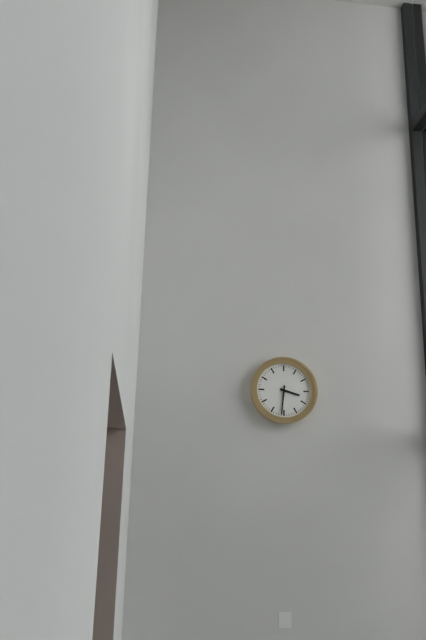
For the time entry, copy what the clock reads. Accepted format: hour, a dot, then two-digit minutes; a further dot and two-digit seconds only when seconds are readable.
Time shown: 3.31
